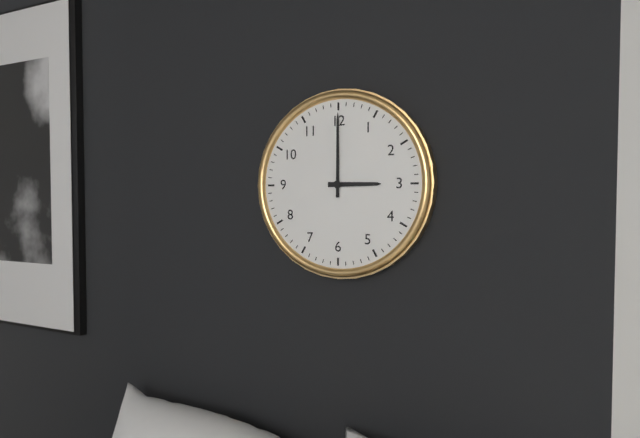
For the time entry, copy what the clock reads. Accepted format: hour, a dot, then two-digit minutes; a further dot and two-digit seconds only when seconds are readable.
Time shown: 3.00
